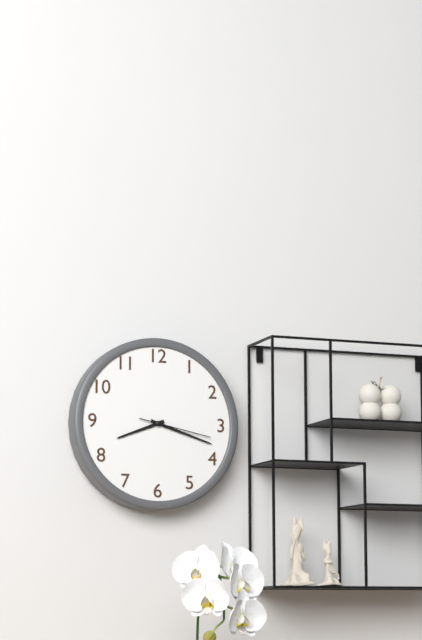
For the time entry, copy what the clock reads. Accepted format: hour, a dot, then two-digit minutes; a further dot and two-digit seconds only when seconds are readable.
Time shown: 8.18.17
